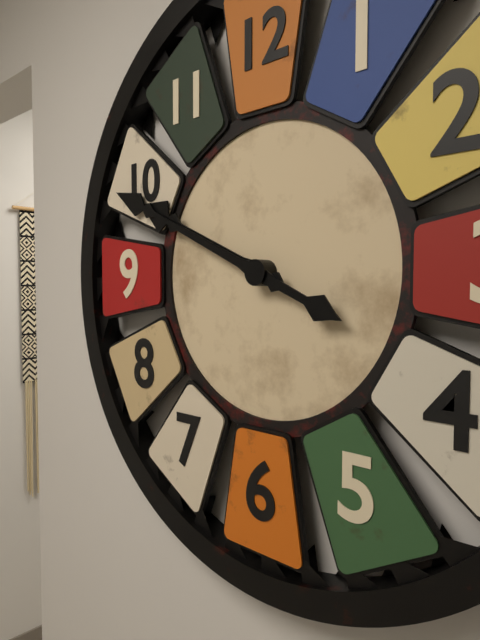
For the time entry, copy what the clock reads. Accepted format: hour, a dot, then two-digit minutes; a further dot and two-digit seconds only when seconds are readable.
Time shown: 9.49
